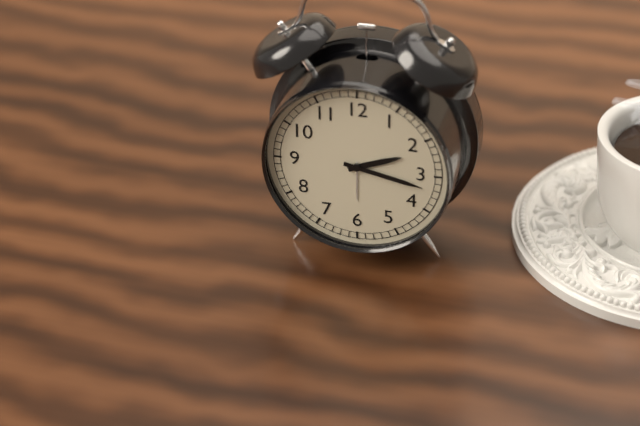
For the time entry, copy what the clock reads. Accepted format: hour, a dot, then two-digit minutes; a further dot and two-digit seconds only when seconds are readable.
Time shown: 2.17
